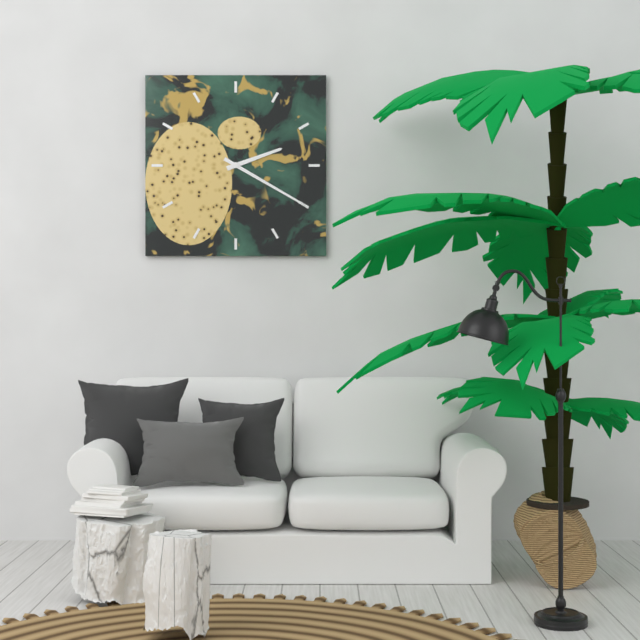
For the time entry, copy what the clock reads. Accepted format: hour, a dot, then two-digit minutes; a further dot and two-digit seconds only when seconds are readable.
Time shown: 2.20
